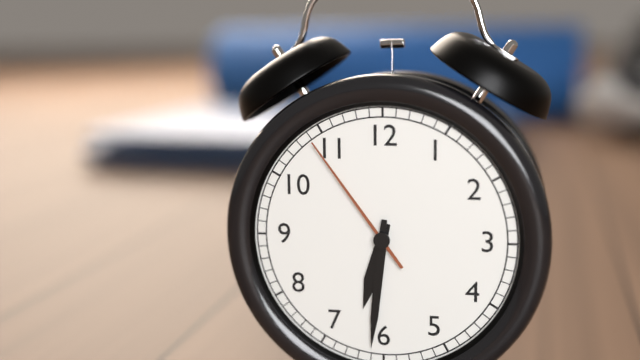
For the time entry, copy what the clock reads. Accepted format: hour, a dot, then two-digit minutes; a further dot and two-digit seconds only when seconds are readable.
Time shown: 6.31.54
